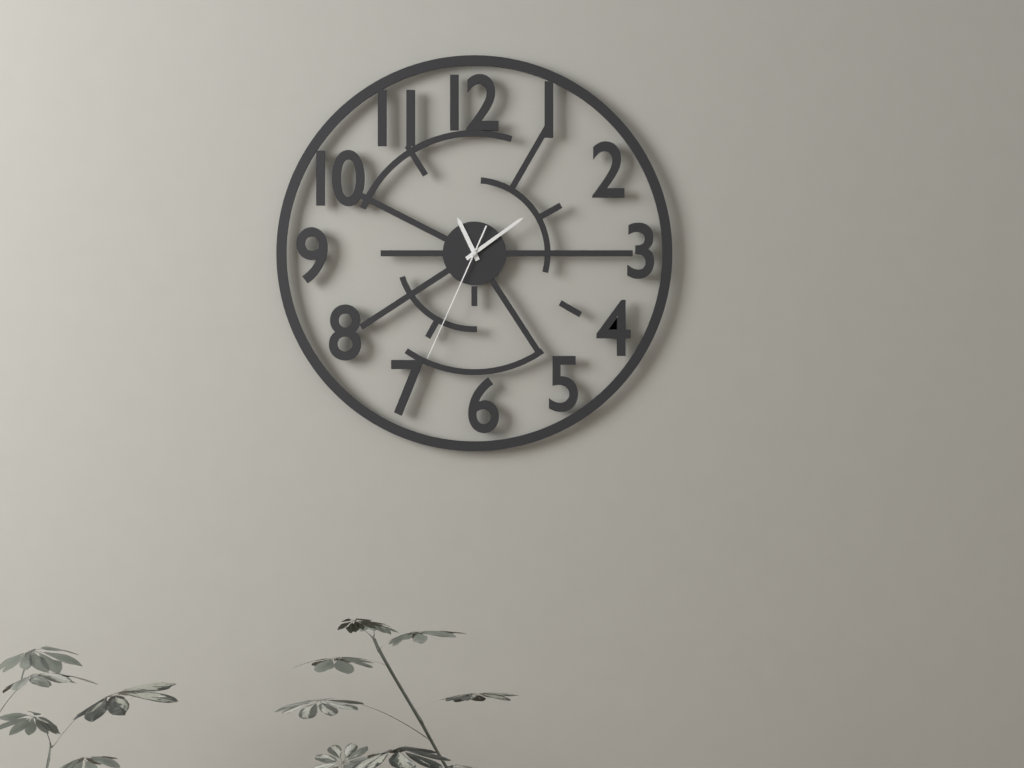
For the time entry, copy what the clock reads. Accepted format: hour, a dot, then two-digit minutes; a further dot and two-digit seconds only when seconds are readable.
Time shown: 11.09.34
